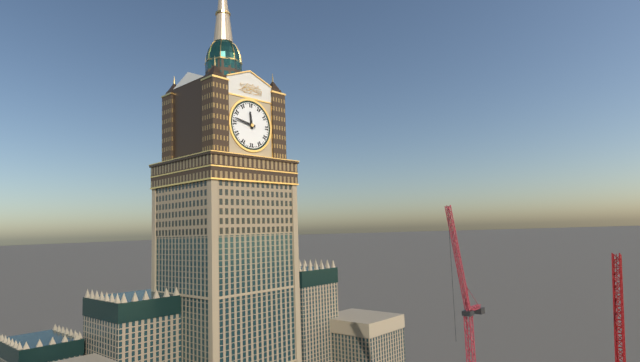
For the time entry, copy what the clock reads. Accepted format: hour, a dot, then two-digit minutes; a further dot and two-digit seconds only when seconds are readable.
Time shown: 11.47
